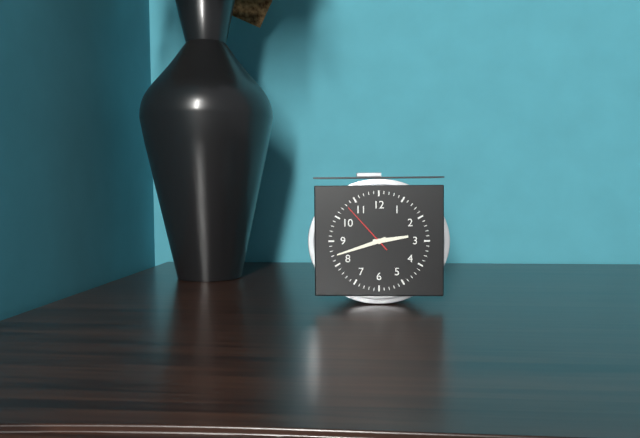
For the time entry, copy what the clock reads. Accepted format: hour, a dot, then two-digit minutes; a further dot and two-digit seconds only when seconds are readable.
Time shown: 2.42.53
